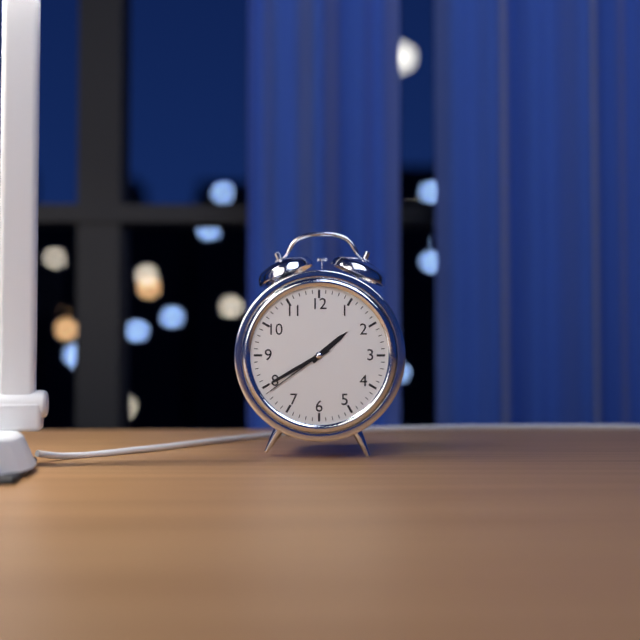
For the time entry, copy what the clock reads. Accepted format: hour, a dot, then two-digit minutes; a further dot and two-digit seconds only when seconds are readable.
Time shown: 1.40.39
